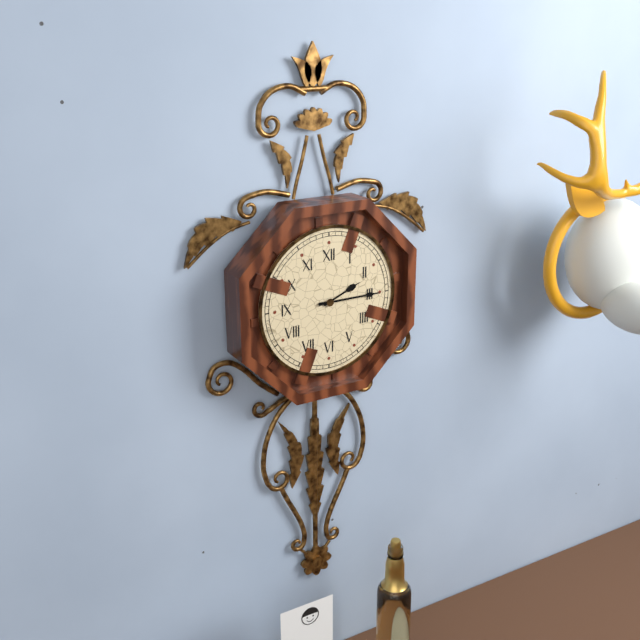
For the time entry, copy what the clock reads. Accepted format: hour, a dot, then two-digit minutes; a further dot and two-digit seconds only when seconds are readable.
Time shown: 2.15
